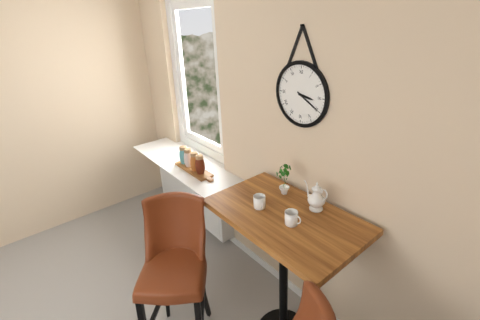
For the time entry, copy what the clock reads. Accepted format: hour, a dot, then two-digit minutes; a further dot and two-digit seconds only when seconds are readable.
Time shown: 3.20
